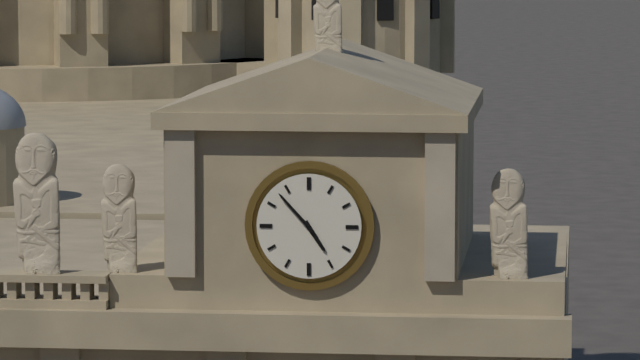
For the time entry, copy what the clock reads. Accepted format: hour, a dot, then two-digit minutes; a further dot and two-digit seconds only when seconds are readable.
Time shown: 4.53
